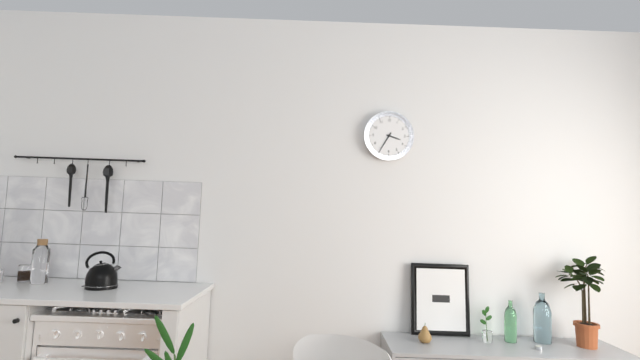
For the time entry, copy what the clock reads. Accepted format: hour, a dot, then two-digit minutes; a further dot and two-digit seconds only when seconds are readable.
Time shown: 3.35
